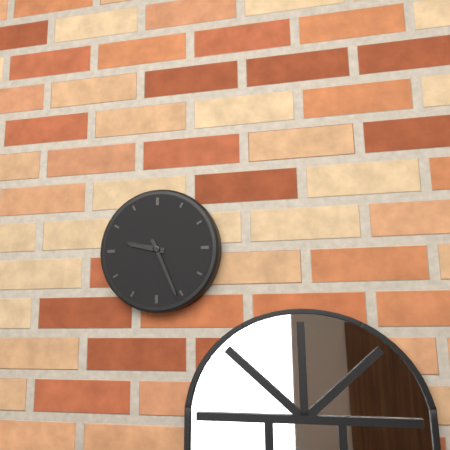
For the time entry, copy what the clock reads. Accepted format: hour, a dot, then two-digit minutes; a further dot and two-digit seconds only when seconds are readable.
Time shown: 9.26
